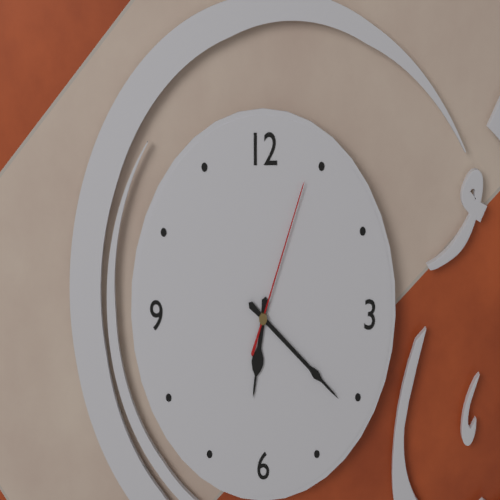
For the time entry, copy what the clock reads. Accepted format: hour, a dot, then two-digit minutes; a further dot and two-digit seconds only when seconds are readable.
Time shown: 6.21.04
